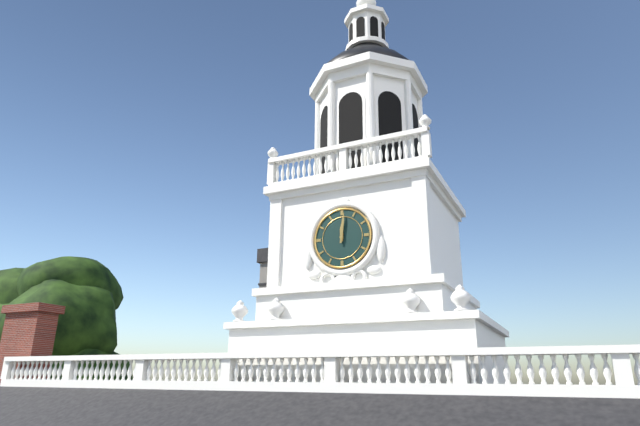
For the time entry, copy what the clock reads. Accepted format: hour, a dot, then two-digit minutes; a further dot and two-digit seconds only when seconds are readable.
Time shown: 12.01
